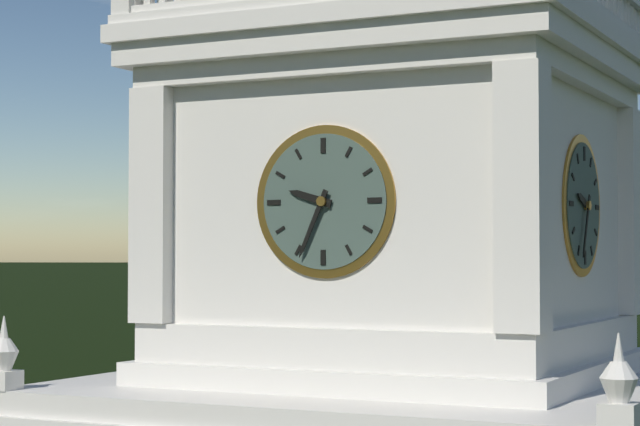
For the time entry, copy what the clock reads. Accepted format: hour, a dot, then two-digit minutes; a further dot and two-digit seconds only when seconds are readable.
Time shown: 9.34
